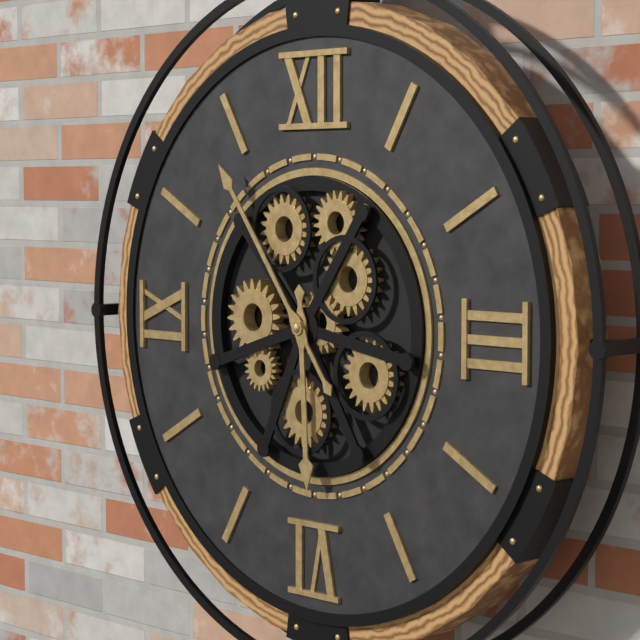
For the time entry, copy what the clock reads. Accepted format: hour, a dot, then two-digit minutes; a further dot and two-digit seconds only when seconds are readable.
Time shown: 5.54
